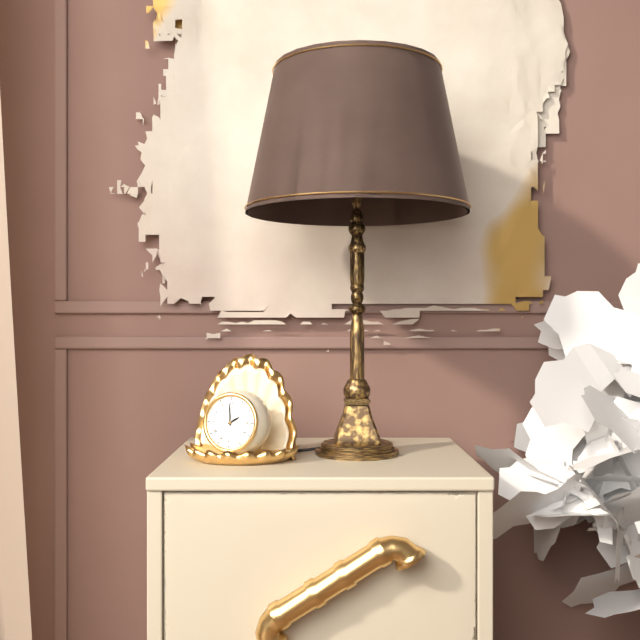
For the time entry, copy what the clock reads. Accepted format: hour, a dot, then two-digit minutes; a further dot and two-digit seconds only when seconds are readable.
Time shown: 1.59
